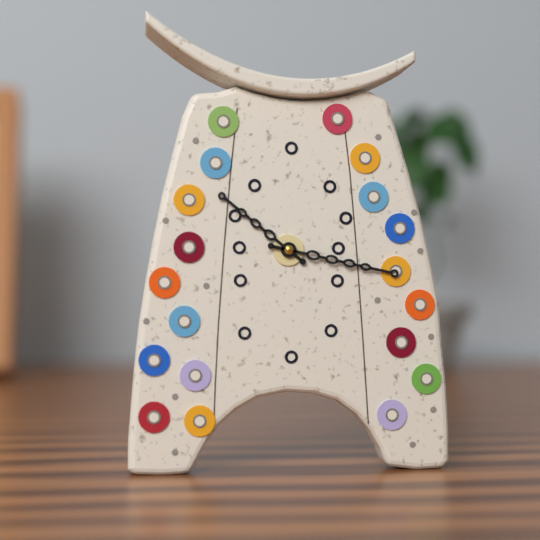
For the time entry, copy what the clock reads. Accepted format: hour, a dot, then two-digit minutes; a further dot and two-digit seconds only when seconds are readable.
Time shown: 10.17
